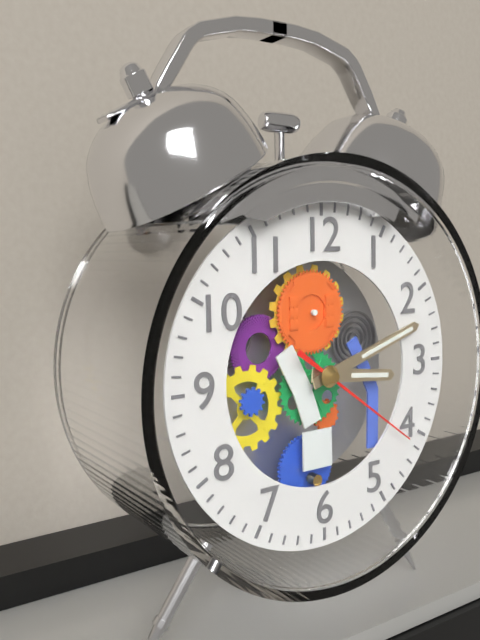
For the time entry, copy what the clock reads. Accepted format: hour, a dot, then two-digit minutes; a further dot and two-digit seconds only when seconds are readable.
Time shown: 3.12.21
